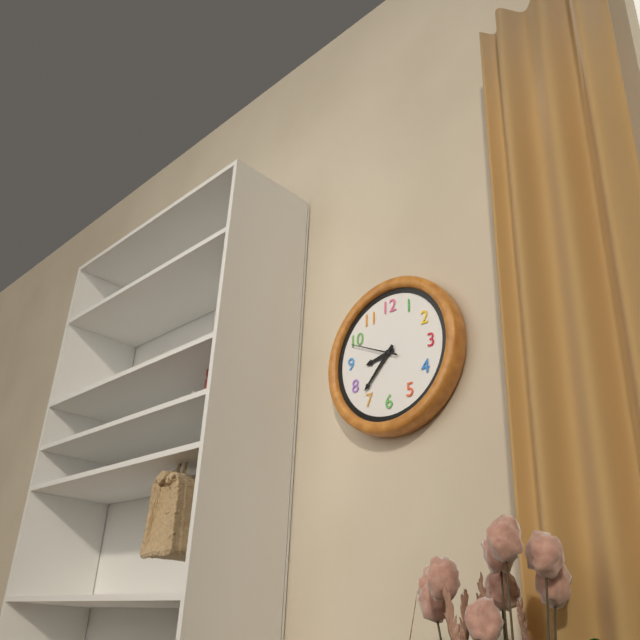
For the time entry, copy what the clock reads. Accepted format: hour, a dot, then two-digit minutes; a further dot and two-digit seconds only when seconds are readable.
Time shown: 8.37.49
